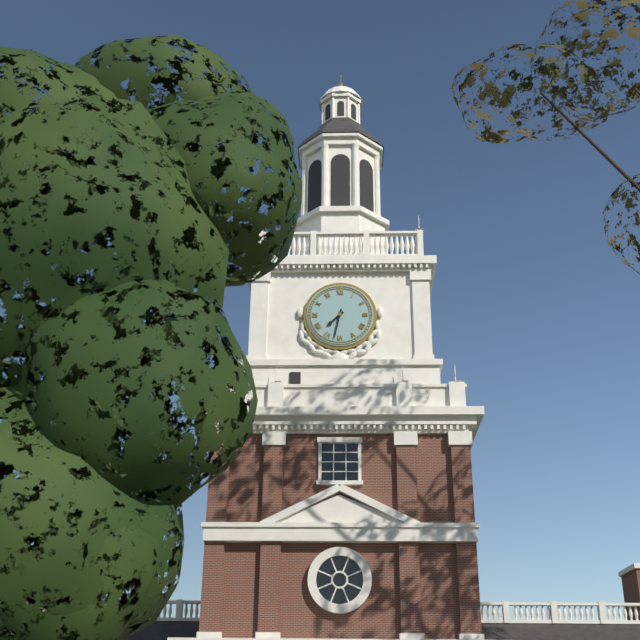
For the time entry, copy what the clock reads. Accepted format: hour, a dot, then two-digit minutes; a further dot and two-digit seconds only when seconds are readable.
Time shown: 7.32
